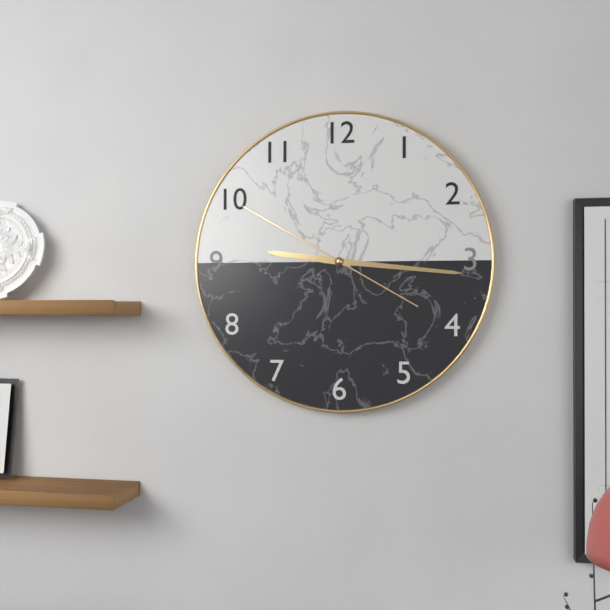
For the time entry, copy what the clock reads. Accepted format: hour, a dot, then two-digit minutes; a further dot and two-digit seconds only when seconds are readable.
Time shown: 9.16.50
